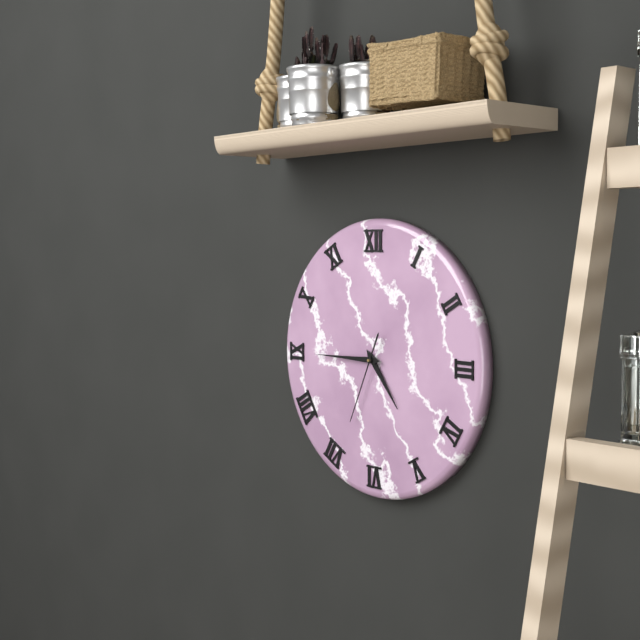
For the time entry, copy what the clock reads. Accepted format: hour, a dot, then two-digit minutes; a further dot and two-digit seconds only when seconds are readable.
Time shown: 4.45.34
